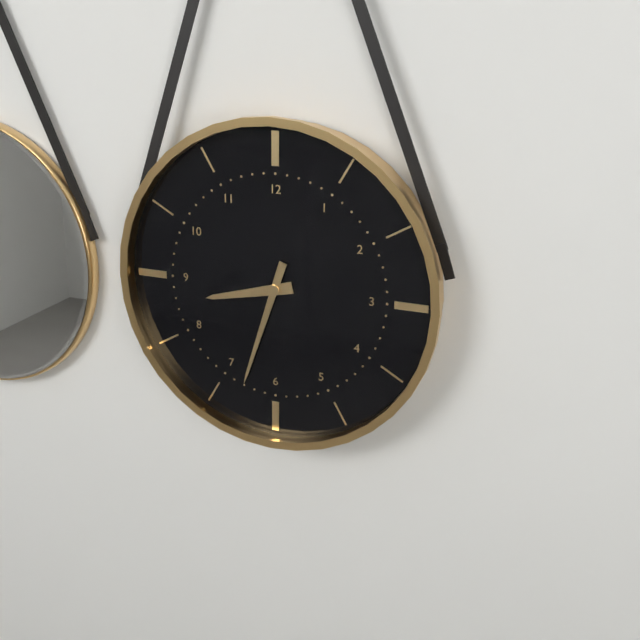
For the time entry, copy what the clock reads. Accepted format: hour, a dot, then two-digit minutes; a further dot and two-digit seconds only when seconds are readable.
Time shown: 8.33
